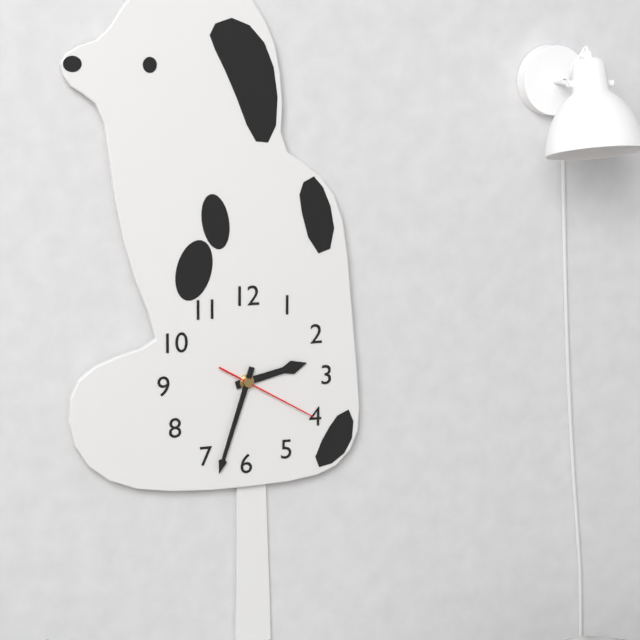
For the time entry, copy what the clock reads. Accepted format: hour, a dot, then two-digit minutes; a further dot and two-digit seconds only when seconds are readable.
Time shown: 2.33.20
